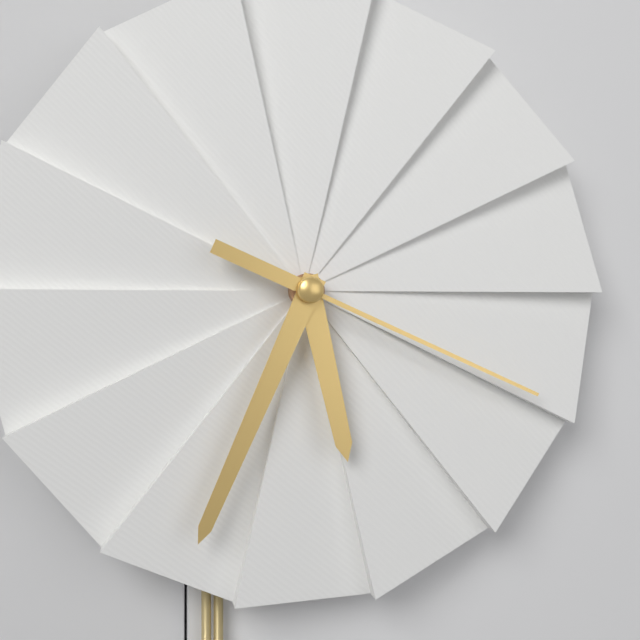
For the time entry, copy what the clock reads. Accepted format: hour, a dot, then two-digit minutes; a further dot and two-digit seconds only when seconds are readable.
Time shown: 5.34.19
